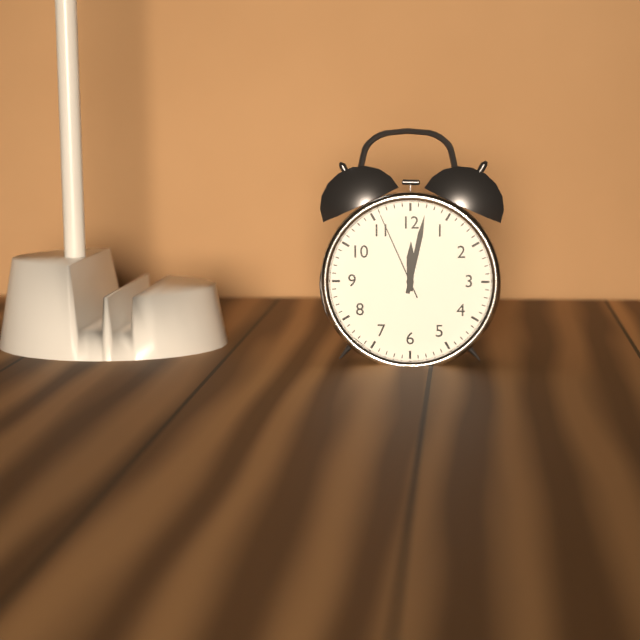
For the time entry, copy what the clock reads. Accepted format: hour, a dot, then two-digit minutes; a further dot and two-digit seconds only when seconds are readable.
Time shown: 12.02.56
